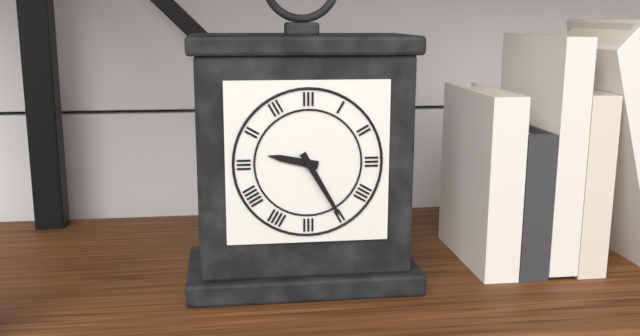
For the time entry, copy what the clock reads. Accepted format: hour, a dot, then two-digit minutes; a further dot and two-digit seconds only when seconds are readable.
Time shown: 9.25
